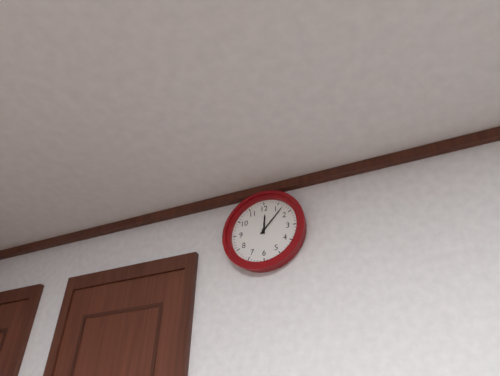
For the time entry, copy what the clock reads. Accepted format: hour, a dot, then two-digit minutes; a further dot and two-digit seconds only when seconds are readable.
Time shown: 12.07
